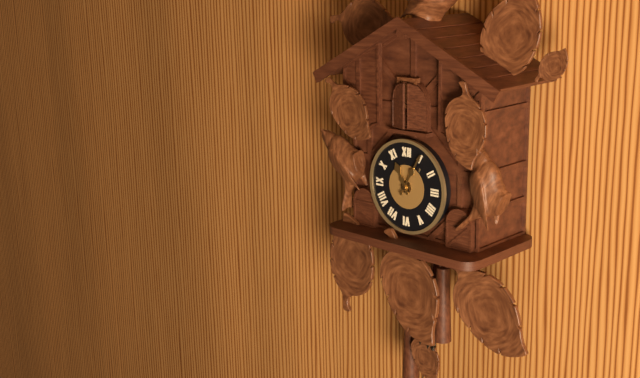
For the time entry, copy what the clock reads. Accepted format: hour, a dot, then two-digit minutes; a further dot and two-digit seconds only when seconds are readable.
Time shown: 11.05
